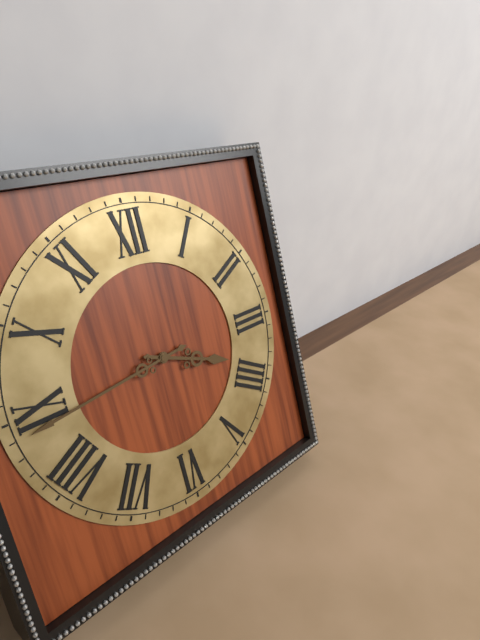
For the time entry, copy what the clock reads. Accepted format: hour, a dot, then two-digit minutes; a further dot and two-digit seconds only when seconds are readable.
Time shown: 3.44
